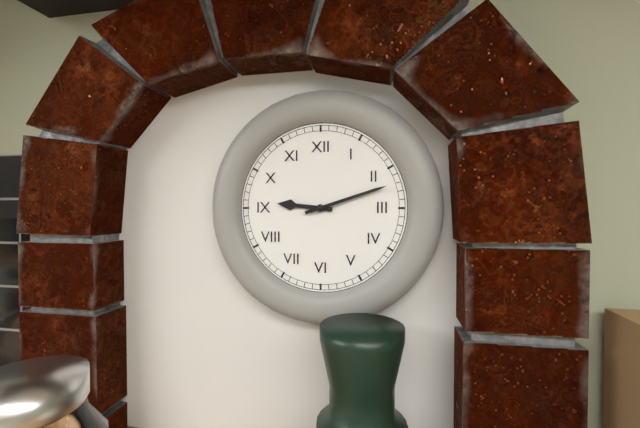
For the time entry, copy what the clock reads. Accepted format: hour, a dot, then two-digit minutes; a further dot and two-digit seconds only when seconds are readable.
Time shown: 9.12
